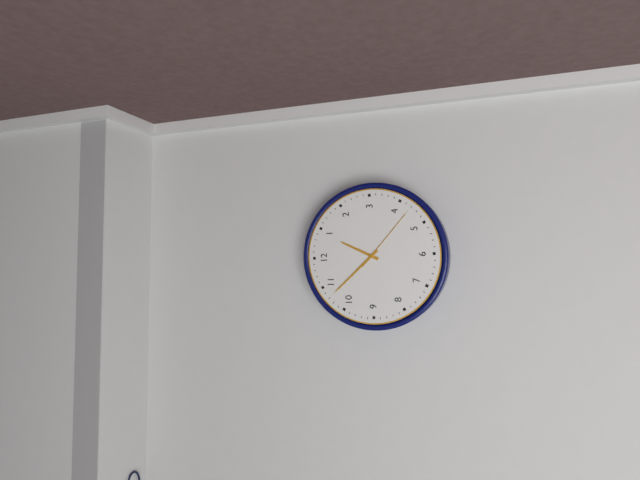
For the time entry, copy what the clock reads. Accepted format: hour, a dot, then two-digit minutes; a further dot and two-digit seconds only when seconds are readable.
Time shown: 12.53.22
